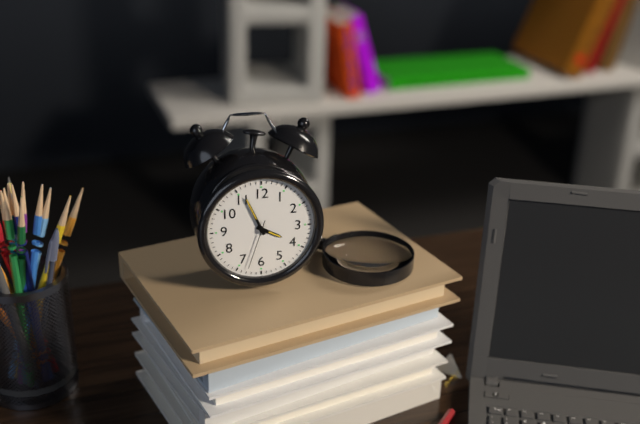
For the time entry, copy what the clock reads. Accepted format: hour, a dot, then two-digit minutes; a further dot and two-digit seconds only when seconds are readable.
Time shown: 3.56.33
